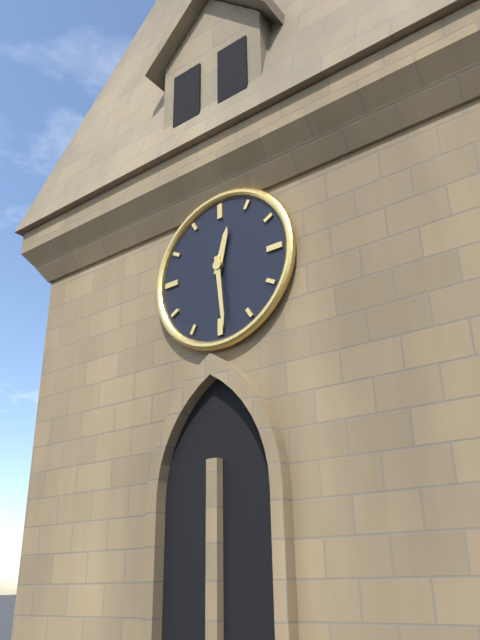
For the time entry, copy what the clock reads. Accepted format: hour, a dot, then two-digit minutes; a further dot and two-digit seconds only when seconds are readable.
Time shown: 12.29
